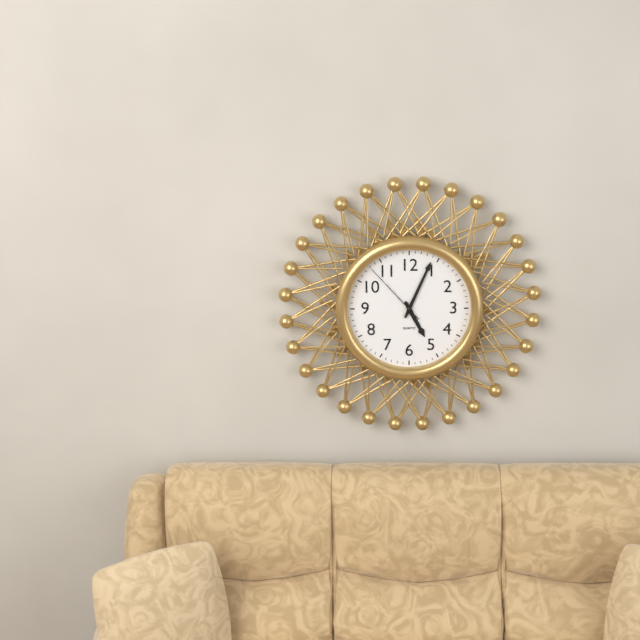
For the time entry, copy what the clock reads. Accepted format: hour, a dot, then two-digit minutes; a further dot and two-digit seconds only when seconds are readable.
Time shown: 5.04.53
